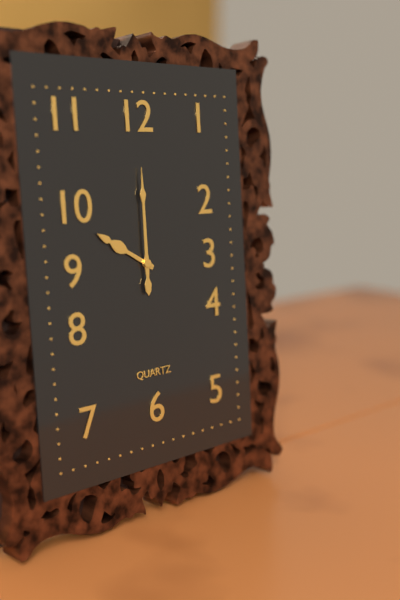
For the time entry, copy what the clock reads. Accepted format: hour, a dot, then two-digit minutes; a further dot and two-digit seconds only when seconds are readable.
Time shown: 10.00
